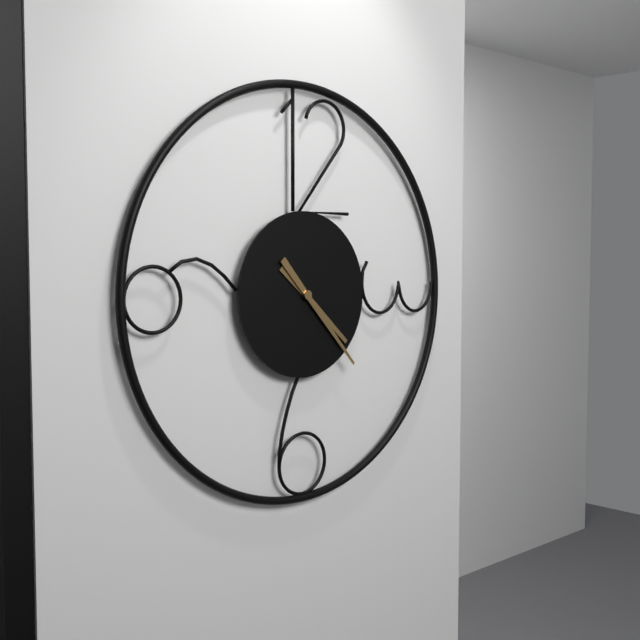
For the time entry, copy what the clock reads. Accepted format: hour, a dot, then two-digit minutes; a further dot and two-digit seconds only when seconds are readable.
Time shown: 4.23
